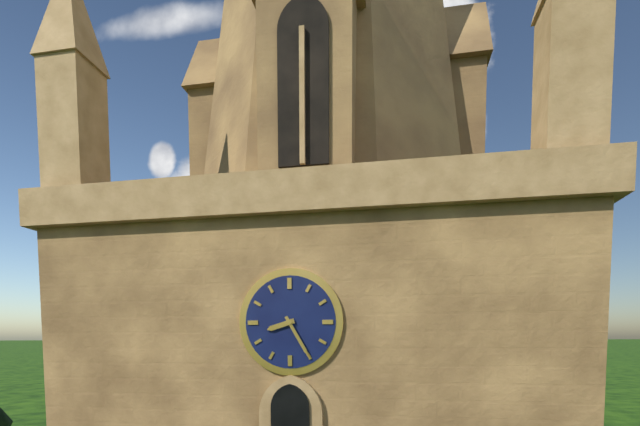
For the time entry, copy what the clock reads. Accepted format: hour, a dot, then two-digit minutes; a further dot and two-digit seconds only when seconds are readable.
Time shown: 8.25
